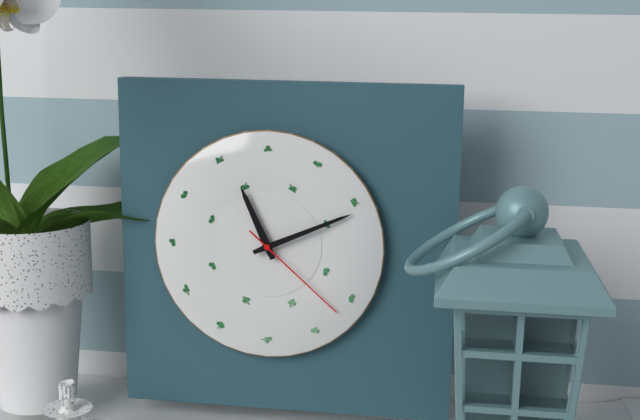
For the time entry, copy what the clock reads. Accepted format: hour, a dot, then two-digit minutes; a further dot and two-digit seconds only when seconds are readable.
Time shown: 11.11.22
